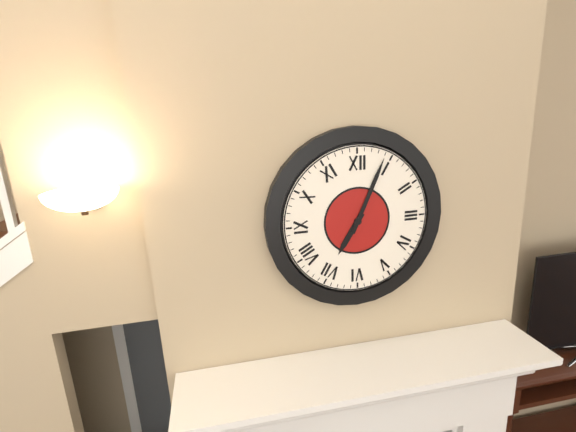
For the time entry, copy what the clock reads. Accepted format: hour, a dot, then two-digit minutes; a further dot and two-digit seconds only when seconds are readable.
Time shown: 7.04
